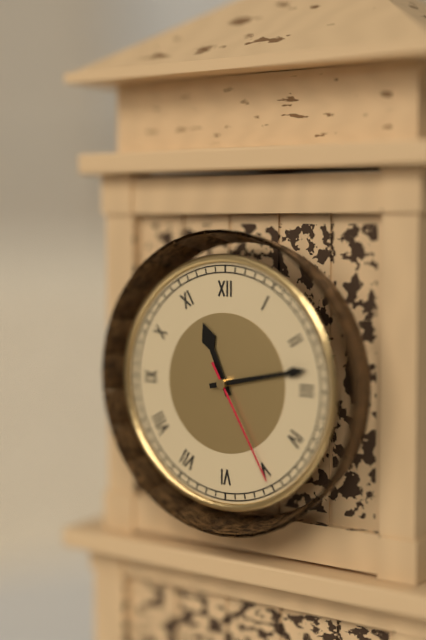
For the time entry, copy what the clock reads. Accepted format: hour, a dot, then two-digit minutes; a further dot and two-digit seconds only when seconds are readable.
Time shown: 11.13.25
